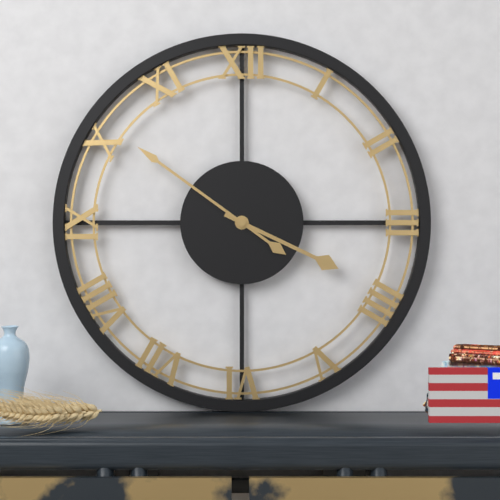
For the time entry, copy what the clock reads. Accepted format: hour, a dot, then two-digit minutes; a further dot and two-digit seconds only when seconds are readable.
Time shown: 3.51
